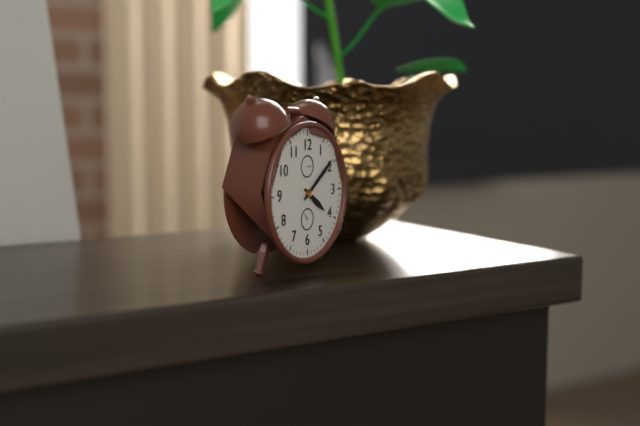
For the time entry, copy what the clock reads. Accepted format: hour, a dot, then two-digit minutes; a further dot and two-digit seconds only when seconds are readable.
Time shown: 4.09
